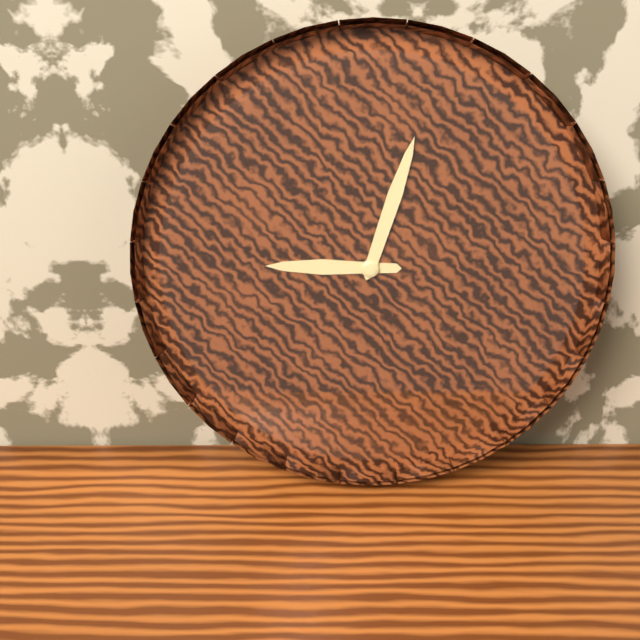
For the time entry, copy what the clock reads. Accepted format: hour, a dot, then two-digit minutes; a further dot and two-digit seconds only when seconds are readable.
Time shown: 9.03
